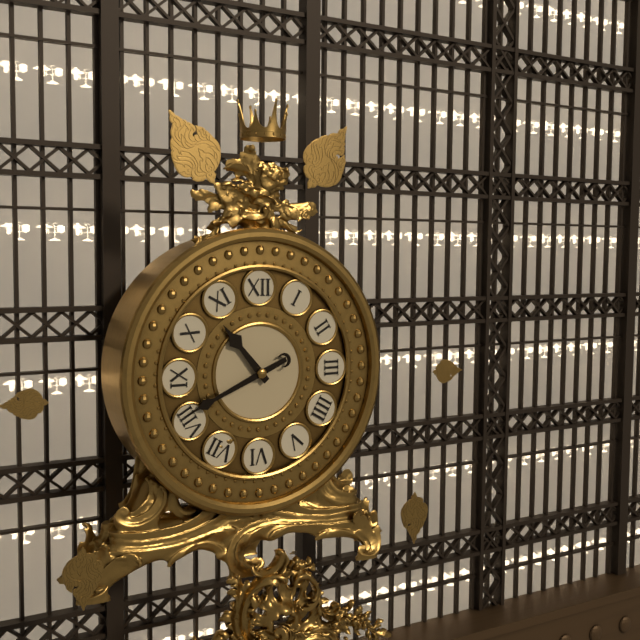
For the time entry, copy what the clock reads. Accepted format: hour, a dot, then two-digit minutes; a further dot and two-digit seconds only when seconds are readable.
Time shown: 10.41
